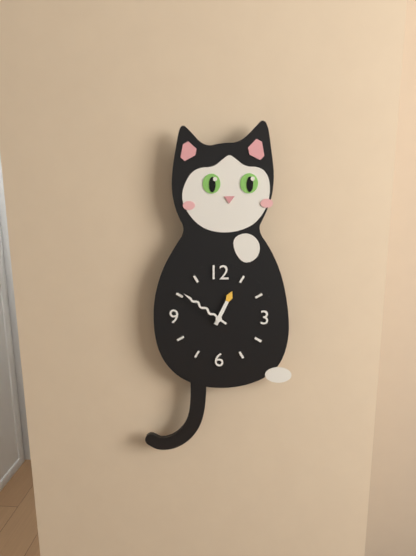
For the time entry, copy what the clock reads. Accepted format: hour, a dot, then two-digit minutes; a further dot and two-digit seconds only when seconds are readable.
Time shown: 12.51
